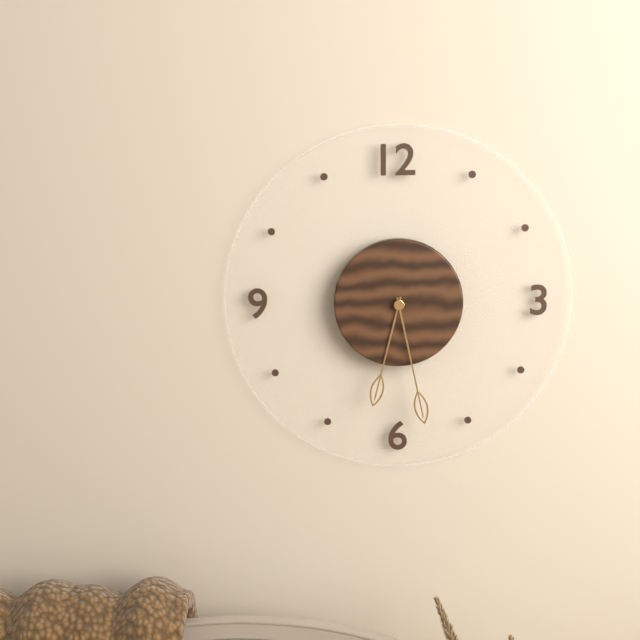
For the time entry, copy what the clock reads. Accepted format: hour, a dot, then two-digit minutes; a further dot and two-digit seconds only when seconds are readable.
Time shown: 6.28
